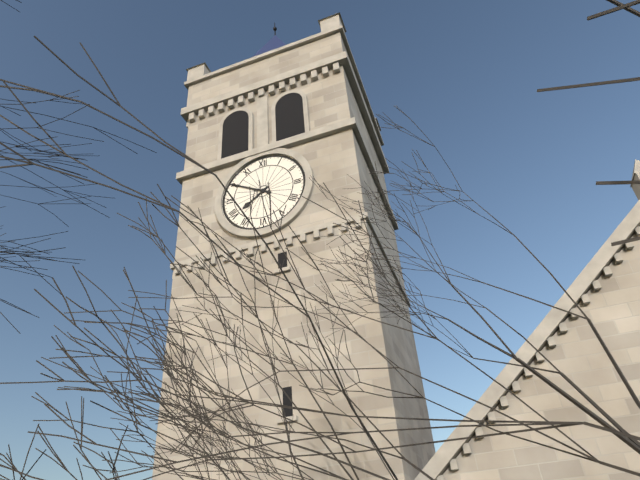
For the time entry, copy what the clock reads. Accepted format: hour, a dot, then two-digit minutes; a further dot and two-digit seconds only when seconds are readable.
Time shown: 7.50
